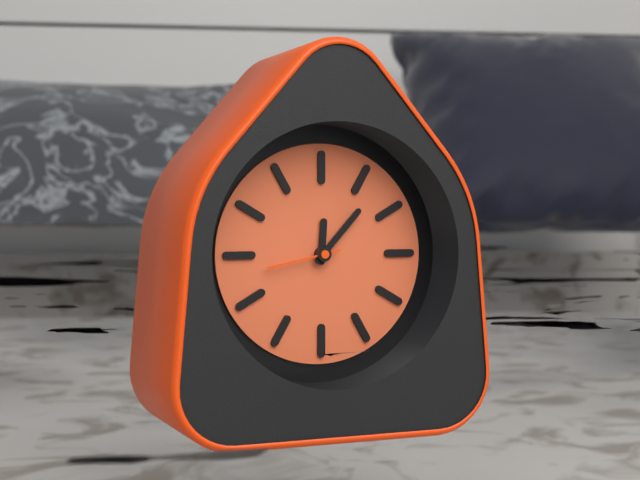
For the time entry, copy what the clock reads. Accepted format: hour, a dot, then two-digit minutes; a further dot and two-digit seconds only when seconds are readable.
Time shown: 12.07.43
